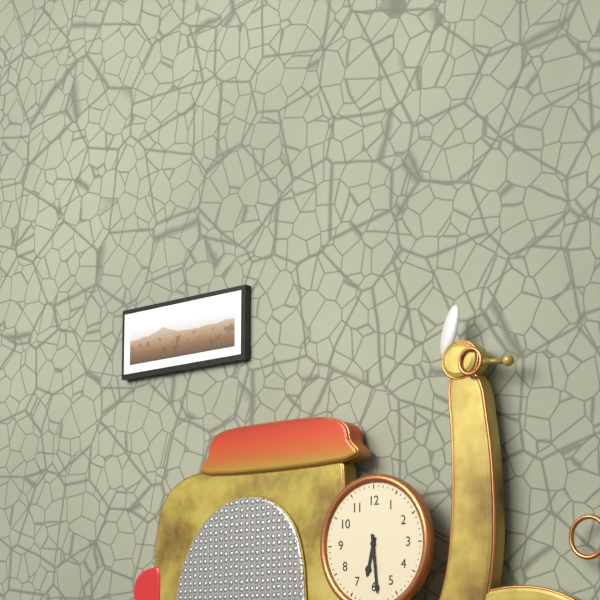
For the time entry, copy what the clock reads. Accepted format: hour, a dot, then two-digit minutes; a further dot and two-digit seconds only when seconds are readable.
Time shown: 6.29
